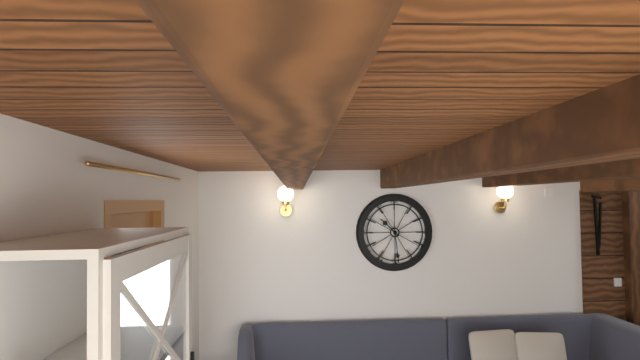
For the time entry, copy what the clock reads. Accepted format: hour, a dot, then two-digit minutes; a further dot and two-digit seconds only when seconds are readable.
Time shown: 10.29
